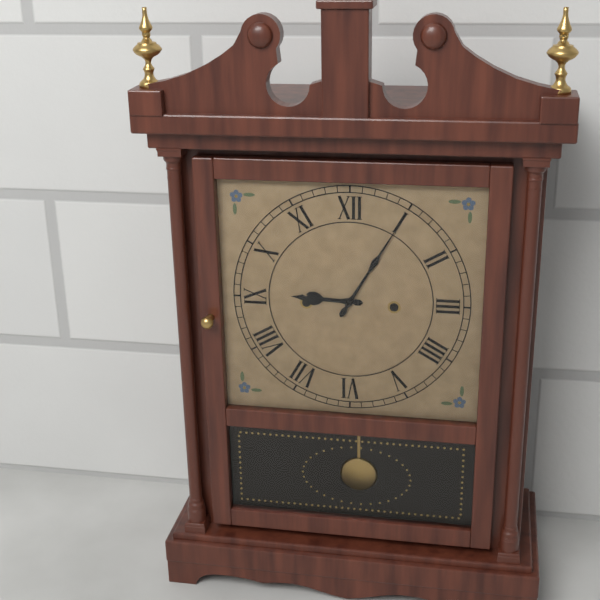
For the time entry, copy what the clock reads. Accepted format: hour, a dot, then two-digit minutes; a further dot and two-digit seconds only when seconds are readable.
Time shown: 9.05
